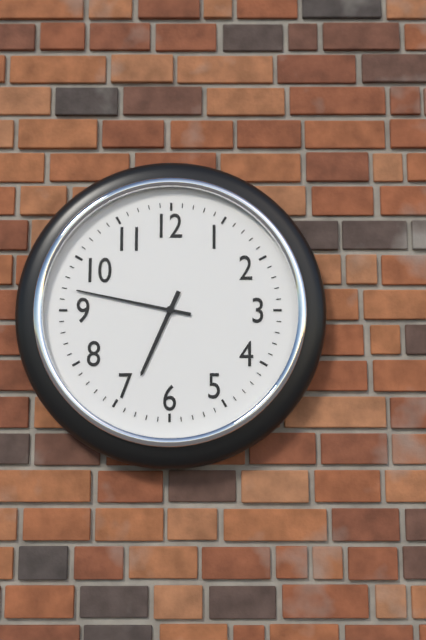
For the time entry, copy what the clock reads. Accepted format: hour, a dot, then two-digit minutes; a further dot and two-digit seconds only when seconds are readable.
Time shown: 6.47
